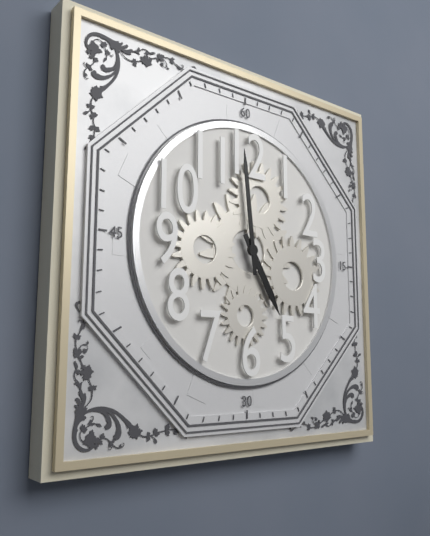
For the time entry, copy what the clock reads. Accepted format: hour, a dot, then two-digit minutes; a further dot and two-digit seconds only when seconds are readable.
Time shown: 4.59
